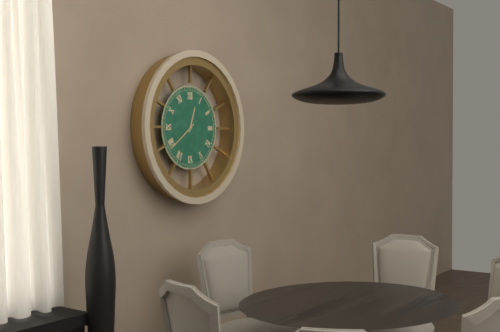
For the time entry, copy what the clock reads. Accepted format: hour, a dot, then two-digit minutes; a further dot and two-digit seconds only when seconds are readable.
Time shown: 12.39
